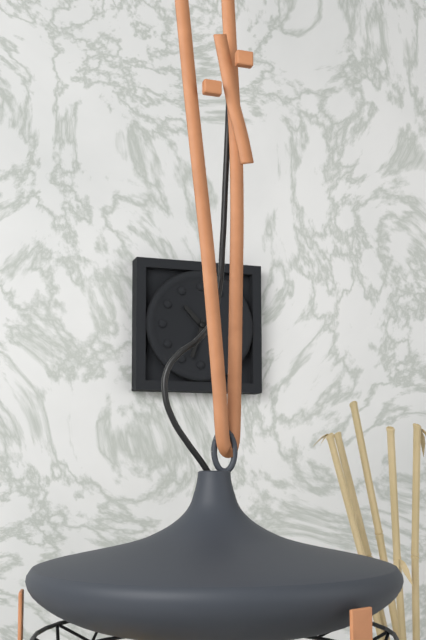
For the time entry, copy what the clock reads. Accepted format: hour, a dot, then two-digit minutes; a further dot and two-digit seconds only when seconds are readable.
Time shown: 10.33
